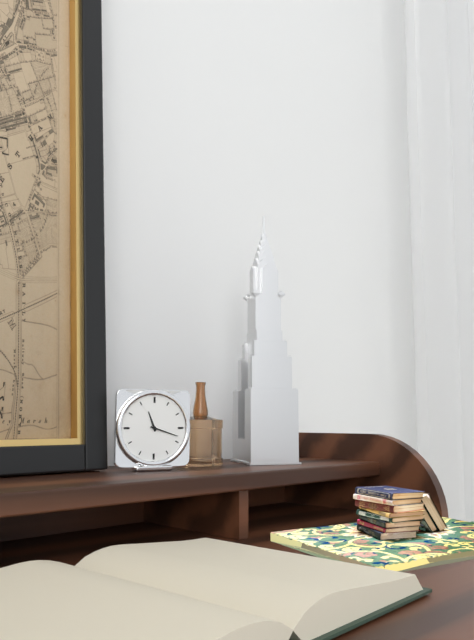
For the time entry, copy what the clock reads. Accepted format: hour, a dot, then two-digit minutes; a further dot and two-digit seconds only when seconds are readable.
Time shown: 11.18
